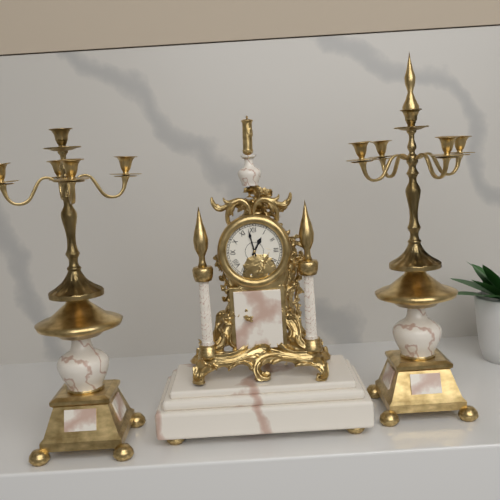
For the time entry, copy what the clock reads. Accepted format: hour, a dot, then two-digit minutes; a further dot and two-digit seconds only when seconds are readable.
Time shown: 12.58
